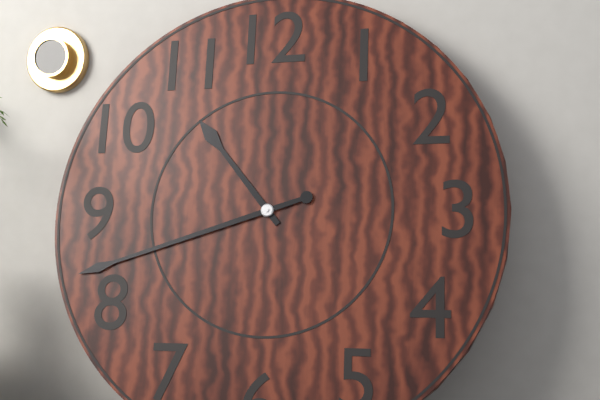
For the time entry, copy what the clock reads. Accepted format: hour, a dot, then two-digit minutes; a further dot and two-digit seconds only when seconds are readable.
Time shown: 10.42
